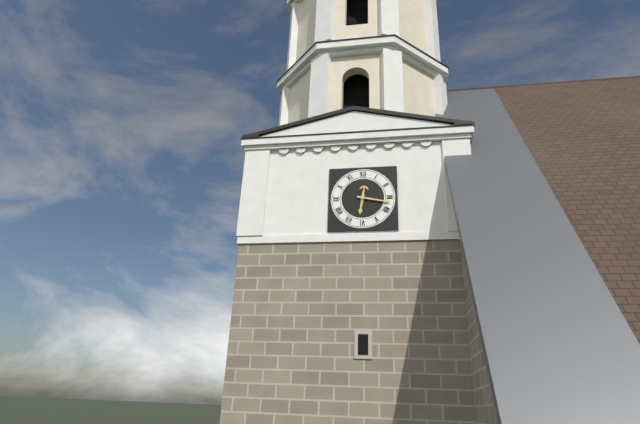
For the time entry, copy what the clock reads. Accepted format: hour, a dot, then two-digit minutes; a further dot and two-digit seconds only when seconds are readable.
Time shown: 6.17
